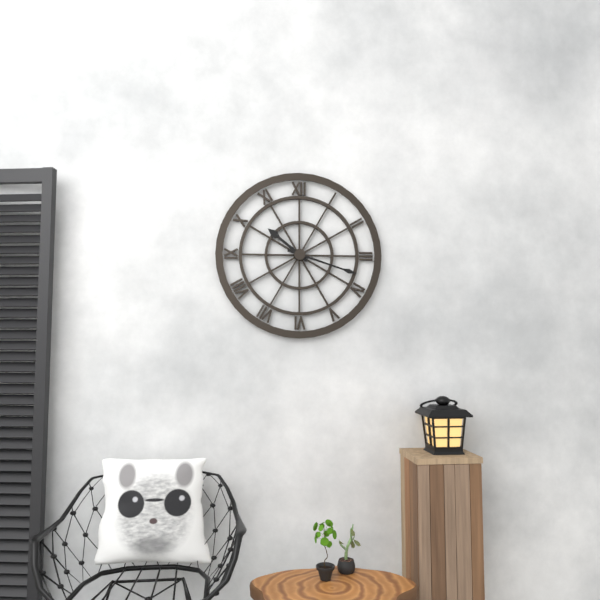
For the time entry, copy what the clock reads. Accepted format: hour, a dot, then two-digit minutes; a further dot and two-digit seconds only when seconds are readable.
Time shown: 10.18
